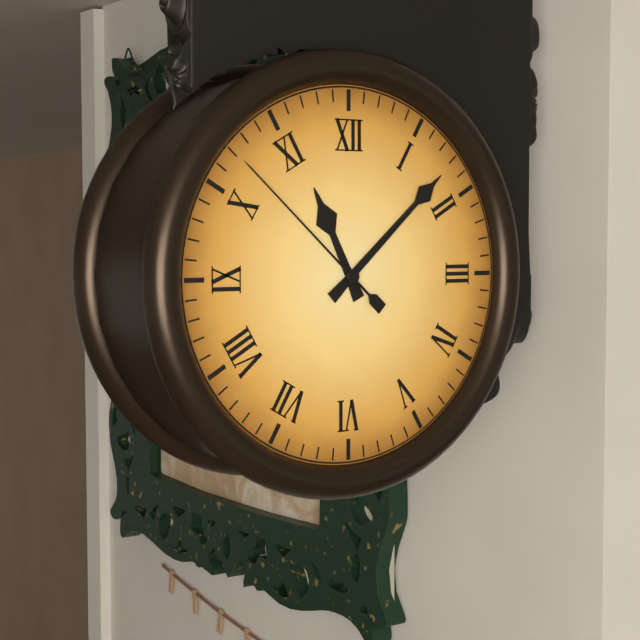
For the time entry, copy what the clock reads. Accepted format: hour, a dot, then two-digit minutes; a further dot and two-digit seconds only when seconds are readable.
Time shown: 11.08.52
